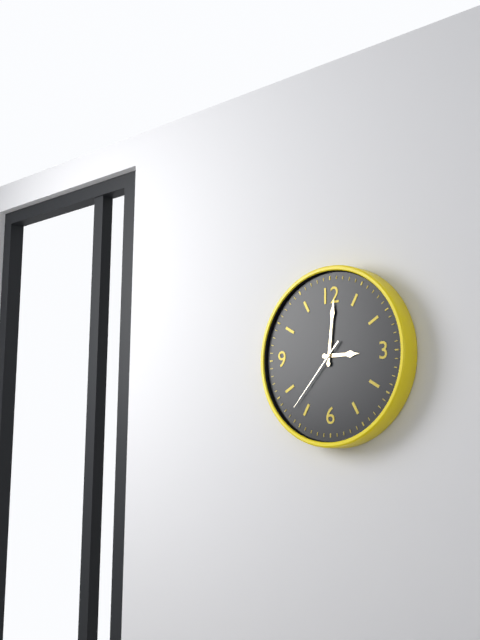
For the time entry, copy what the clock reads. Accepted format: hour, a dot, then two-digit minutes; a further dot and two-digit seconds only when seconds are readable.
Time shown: 3.01.37
